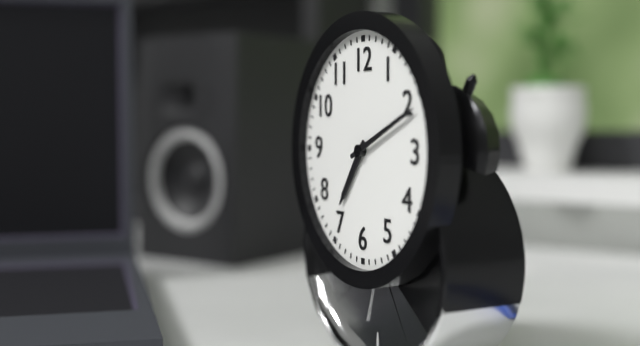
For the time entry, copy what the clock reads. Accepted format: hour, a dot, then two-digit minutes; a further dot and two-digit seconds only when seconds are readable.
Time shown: 7.11
